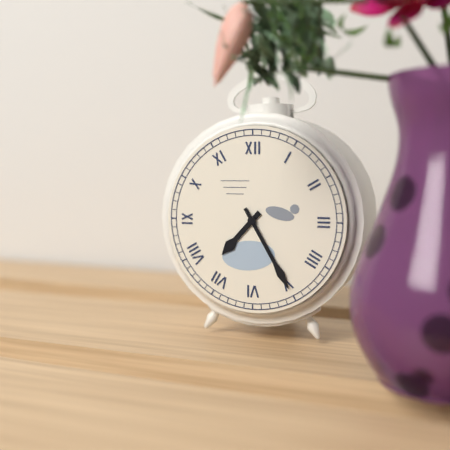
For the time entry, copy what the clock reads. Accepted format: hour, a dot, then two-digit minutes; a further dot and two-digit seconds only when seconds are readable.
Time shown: 7.25
